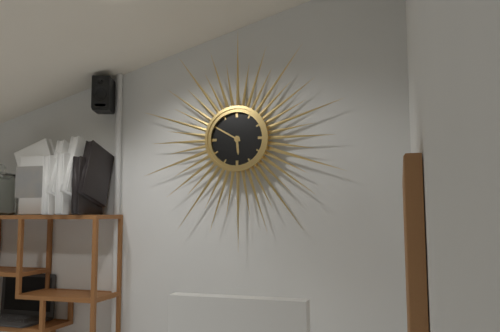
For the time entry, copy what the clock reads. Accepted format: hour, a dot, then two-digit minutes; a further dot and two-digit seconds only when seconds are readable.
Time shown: 5.50
